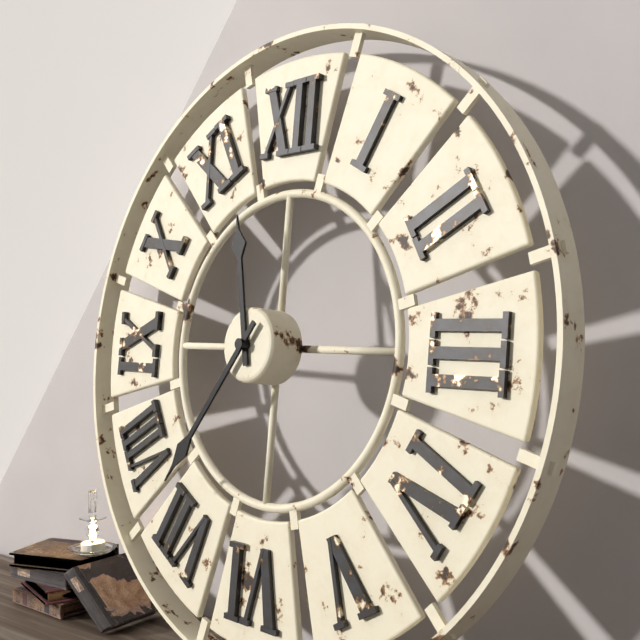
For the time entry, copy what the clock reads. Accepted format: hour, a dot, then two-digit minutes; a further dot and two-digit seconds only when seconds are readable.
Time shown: 11.36
